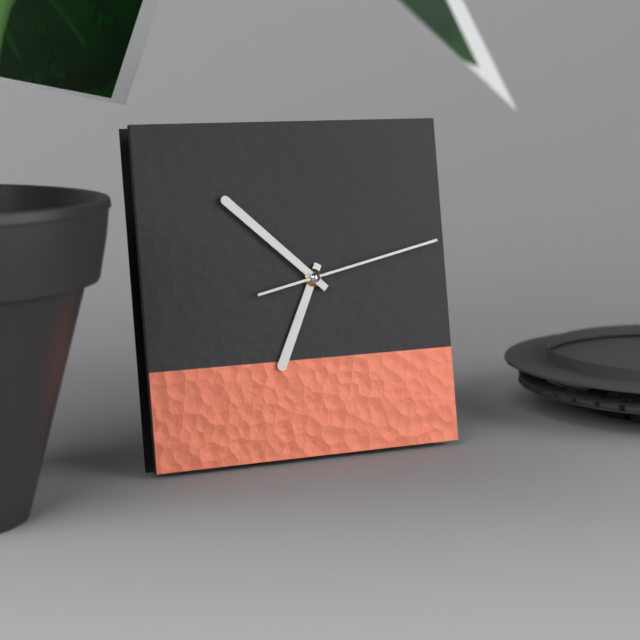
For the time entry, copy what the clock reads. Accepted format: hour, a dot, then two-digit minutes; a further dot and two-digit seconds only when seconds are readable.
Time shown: 6.52.13
